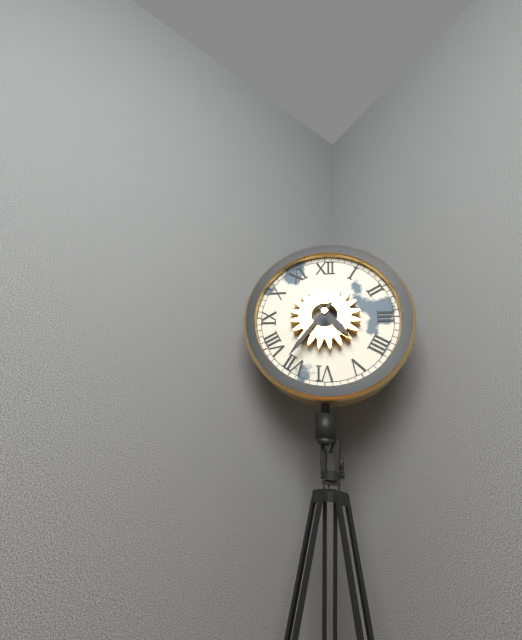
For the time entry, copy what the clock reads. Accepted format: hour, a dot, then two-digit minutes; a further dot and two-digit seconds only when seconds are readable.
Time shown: 4.36
